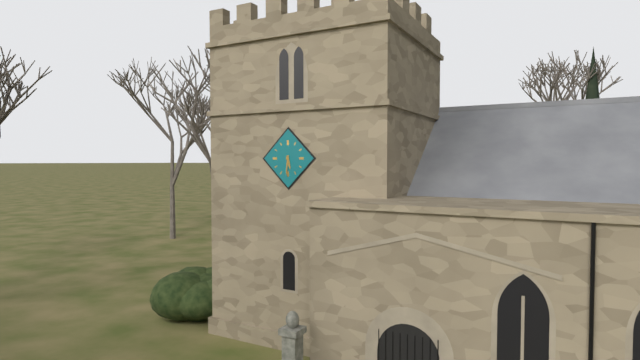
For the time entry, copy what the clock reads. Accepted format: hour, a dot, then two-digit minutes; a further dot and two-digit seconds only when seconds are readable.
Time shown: 5.31
